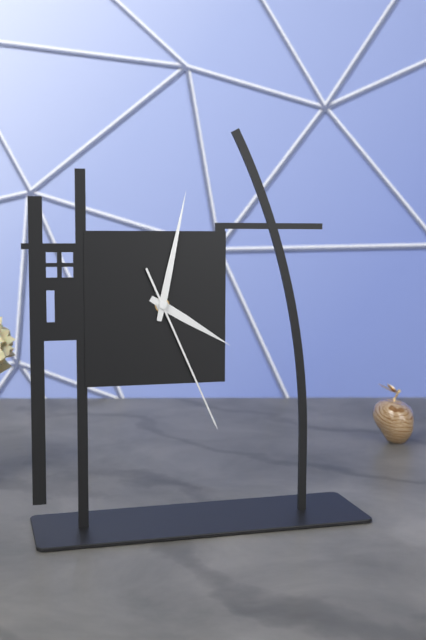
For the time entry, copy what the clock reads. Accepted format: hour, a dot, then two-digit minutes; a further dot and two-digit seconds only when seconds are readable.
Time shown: 4.02.26
